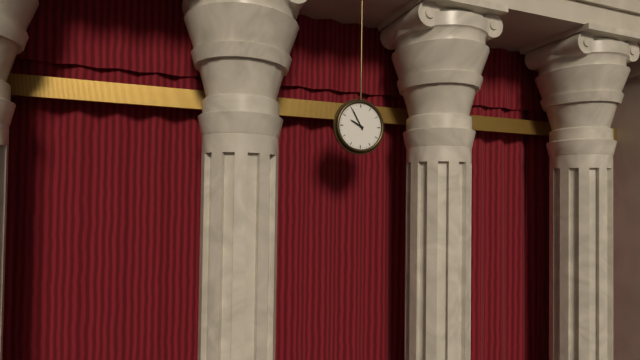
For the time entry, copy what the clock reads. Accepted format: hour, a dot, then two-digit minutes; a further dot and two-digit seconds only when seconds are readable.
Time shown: 9.55
